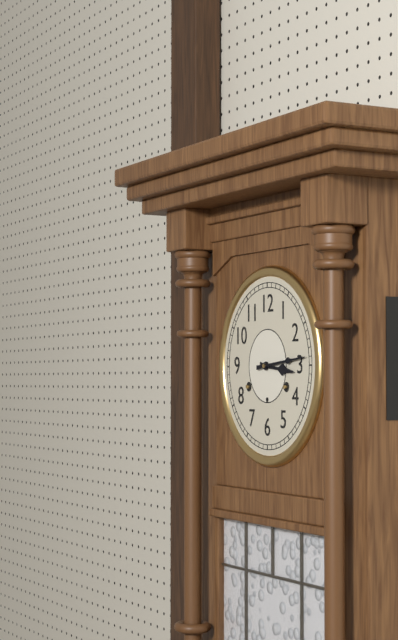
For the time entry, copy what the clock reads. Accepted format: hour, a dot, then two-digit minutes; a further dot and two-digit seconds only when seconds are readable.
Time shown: 3.14
